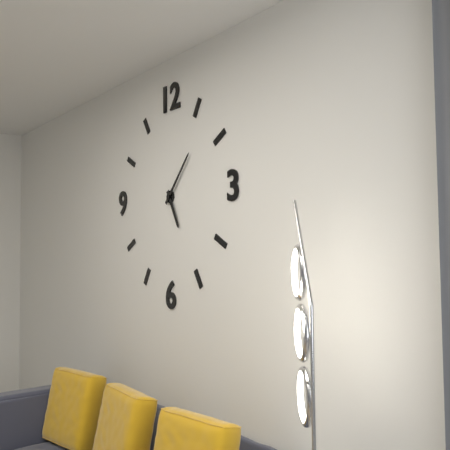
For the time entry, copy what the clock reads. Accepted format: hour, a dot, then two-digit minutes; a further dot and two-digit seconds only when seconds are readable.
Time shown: 5.07
